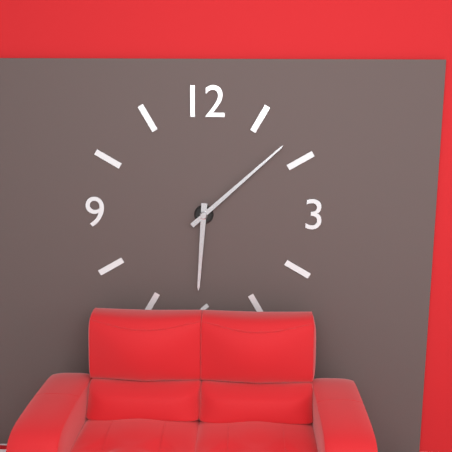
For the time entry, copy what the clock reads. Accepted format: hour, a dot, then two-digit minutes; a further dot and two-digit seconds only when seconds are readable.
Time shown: 6.08
